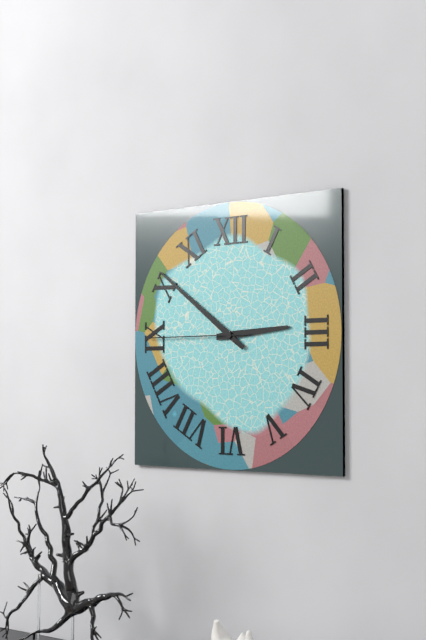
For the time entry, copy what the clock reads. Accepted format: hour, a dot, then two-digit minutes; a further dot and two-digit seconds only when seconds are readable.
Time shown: 2.51.45
